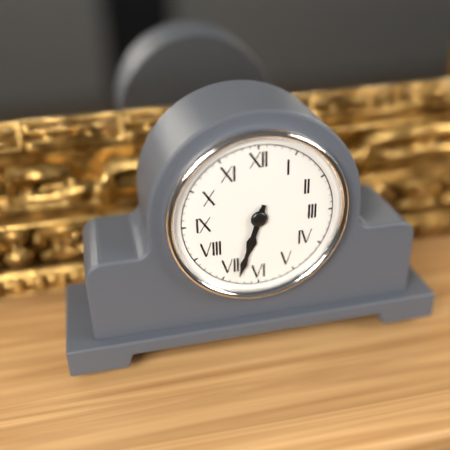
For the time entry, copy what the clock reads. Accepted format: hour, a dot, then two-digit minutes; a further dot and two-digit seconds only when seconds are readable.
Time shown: 6.33
